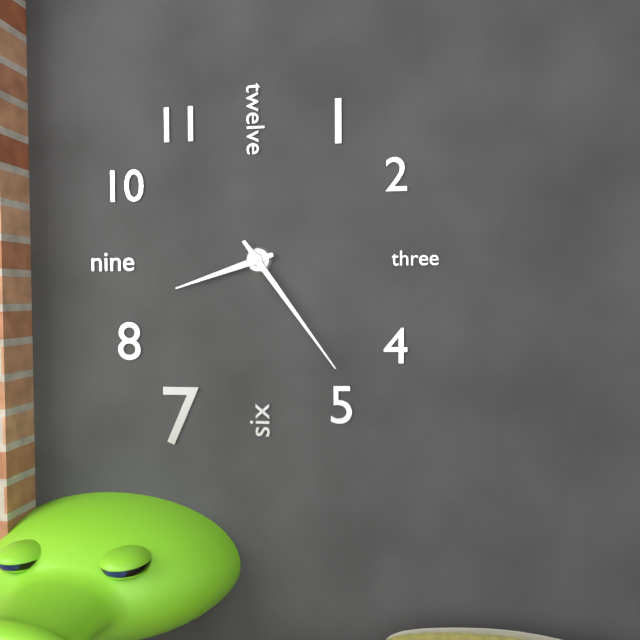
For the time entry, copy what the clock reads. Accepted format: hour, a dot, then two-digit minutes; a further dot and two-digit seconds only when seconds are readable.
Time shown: 8.24
